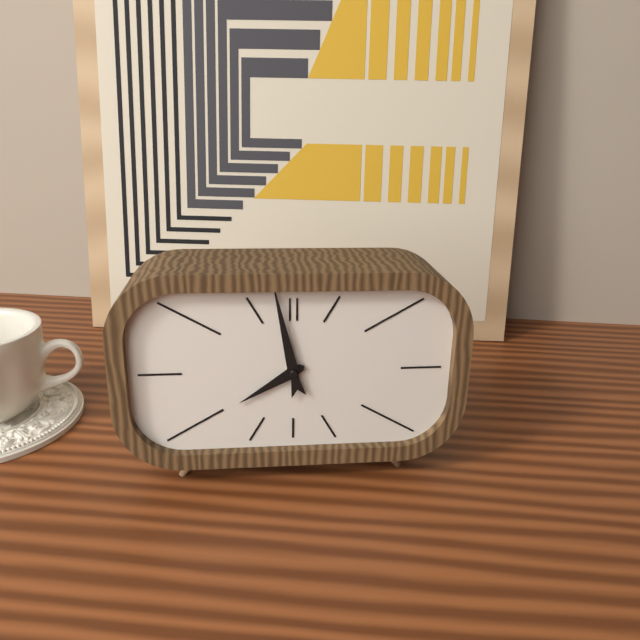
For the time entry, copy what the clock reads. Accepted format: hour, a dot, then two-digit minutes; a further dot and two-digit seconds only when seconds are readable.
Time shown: 7.58
